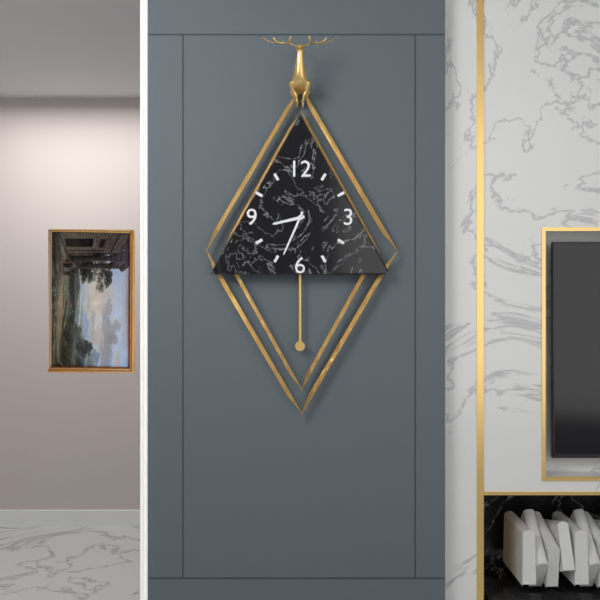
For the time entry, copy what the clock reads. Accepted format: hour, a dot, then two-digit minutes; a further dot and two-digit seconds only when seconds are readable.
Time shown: 8.34
